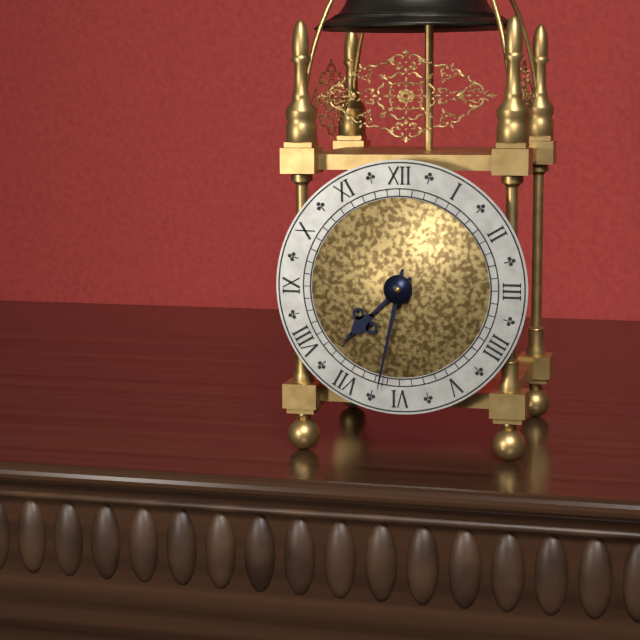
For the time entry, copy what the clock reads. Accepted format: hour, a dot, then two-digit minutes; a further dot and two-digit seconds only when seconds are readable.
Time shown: 7.32
